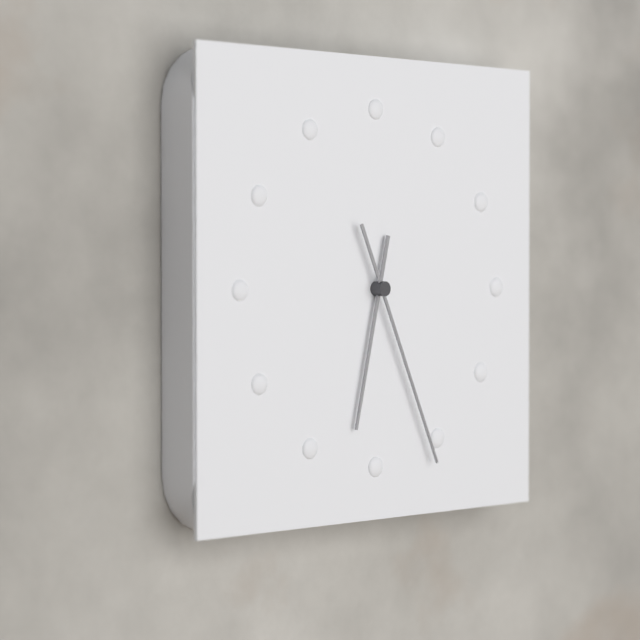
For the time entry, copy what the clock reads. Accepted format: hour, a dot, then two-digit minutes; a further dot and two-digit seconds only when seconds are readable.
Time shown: 6.26
